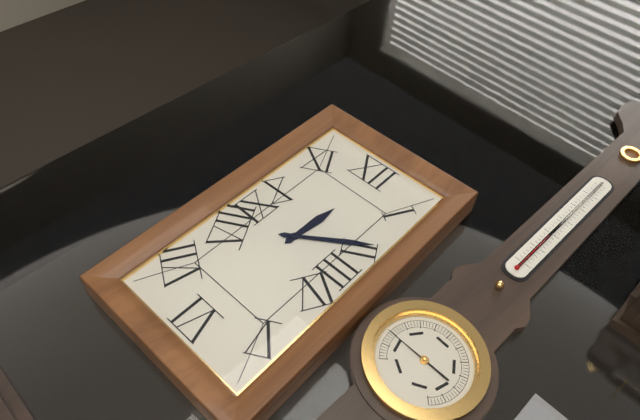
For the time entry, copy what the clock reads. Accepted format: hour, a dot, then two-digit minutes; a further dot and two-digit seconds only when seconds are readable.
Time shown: 12.09
